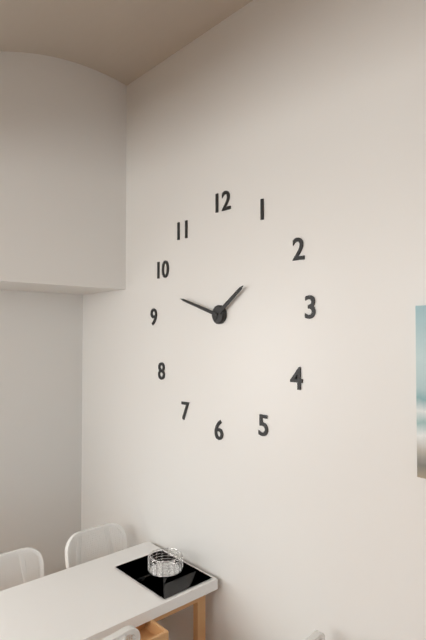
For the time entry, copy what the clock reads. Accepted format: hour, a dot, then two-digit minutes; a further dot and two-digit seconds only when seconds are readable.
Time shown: 1.48
